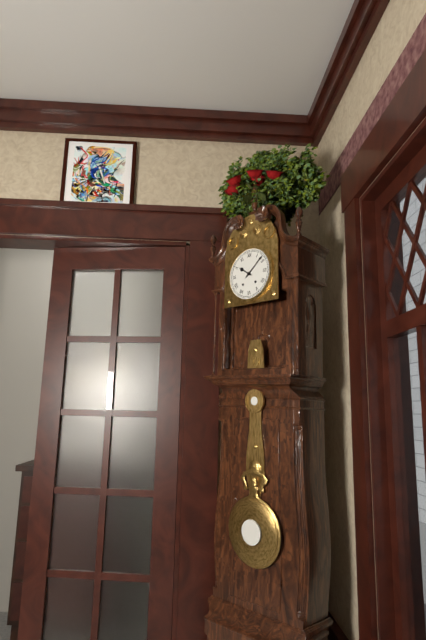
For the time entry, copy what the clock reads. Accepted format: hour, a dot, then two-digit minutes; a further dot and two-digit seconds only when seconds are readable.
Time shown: 10.08
